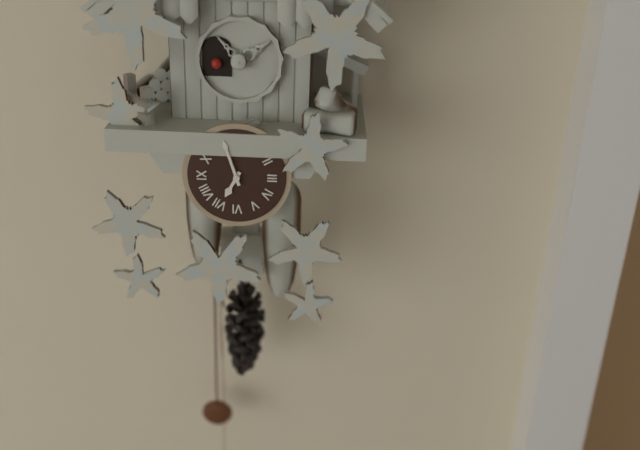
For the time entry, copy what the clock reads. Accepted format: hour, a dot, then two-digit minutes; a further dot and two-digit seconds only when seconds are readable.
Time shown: 6.57
